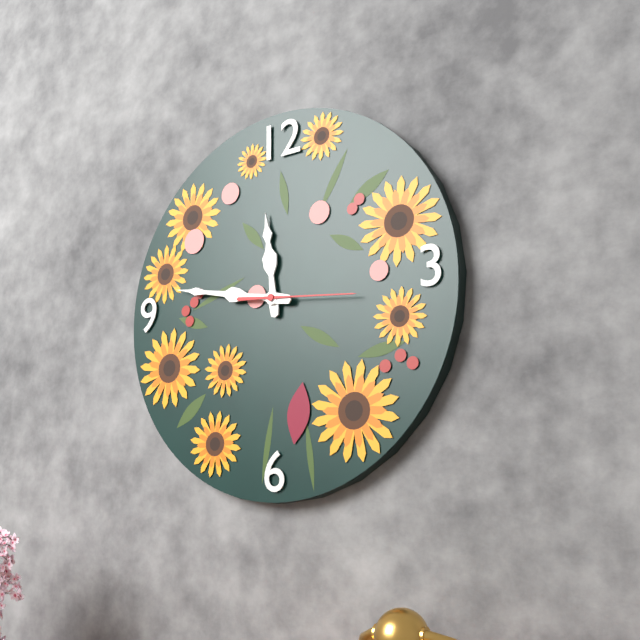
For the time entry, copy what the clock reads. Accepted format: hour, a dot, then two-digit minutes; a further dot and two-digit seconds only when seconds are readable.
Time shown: 11.47.16
